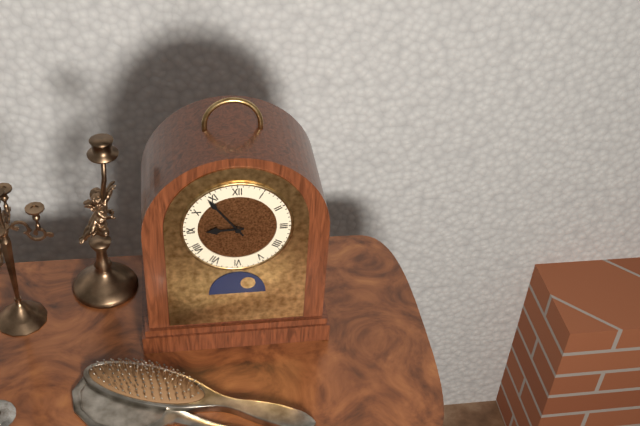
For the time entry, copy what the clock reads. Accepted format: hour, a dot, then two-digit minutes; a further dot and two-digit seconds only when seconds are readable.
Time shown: 8.54
